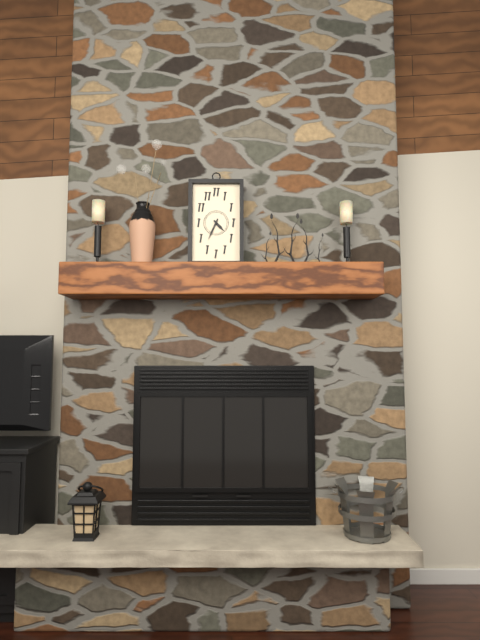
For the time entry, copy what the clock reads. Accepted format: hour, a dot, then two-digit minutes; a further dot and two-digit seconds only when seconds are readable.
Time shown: 4.34
